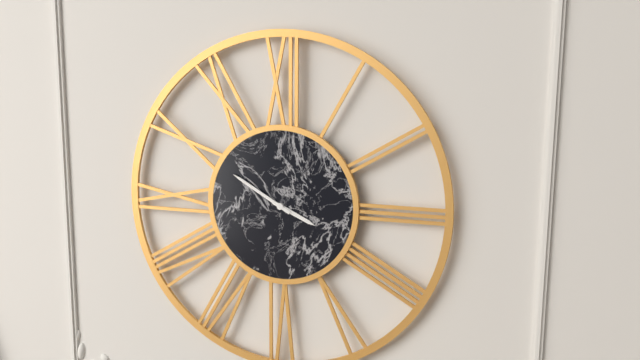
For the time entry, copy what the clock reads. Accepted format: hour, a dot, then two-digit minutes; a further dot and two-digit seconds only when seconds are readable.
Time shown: 3.50
